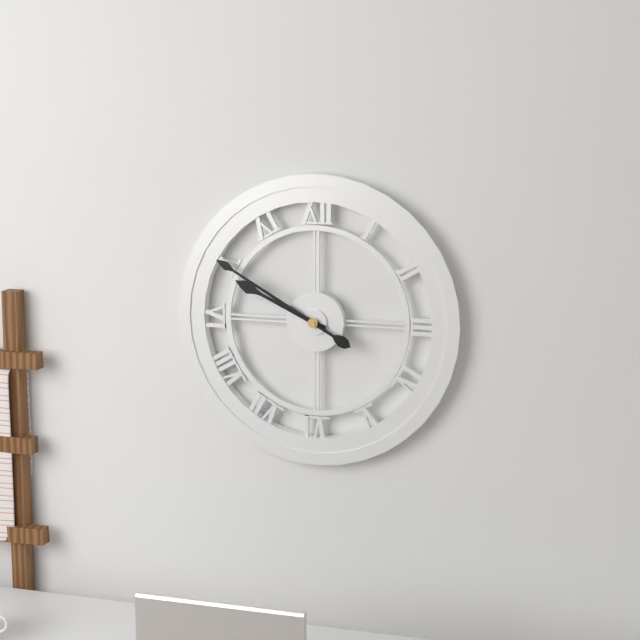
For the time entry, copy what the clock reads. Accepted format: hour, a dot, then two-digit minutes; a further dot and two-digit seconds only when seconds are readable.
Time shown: 9.50
